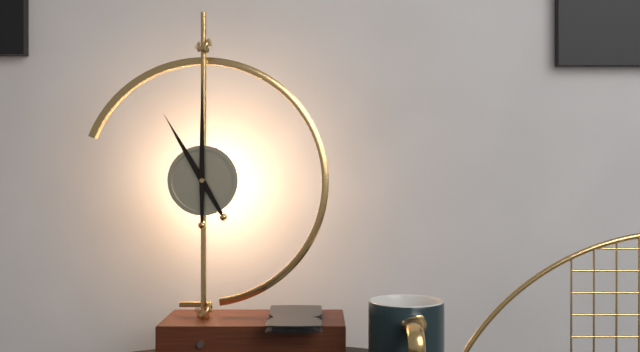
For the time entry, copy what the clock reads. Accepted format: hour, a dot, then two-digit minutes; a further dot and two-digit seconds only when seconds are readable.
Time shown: 11.00
